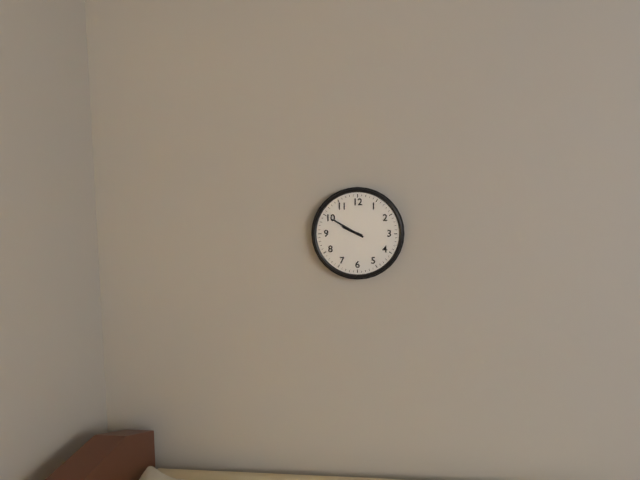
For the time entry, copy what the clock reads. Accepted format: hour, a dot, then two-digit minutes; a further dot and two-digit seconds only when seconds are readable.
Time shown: 9.50
